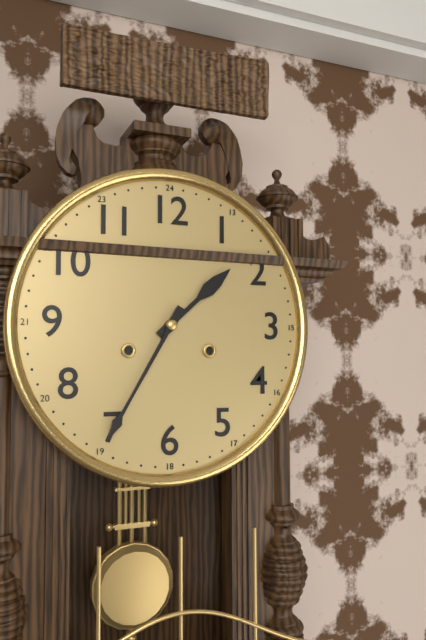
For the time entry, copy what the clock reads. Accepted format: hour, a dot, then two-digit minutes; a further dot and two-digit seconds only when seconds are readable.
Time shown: 1.35
